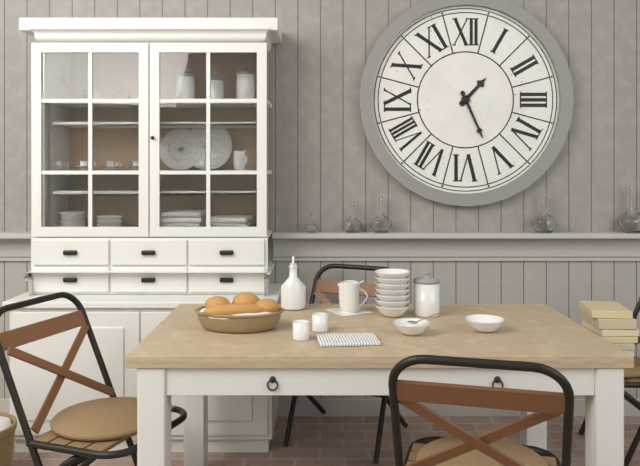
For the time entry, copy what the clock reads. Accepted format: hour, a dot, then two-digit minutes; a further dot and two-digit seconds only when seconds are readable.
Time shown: 1.26
